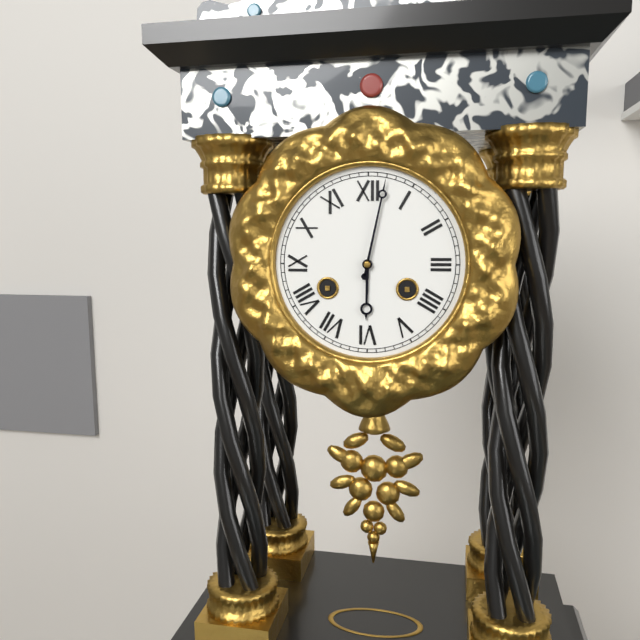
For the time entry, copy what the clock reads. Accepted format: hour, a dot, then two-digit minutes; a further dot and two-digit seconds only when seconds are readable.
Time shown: 6.02
